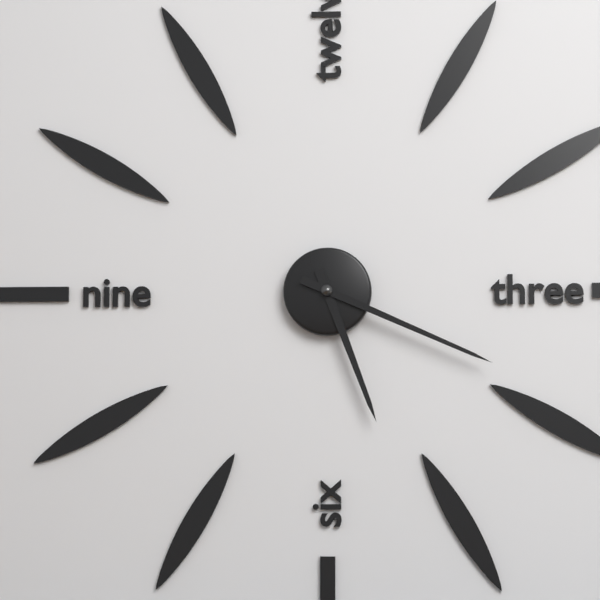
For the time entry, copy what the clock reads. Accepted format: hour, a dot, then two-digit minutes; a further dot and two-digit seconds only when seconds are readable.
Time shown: 5.19
